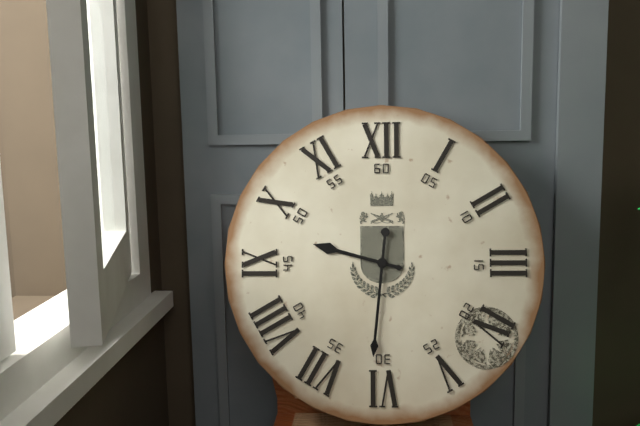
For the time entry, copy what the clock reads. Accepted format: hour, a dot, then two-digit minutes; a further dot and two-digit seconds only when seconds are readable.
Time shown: 9.31
